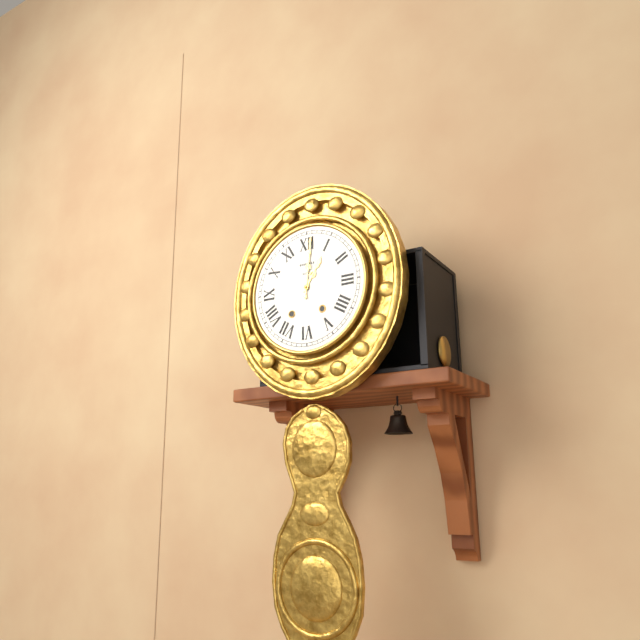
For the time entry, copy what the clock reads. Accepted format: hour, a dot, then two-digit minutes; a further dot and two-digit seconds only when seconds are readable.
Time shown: 1.01
